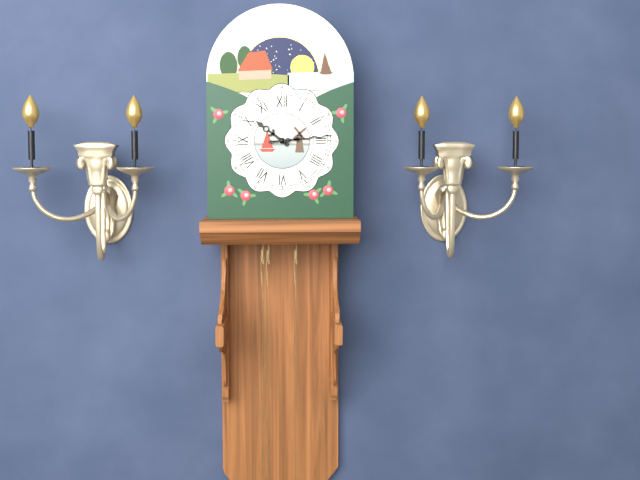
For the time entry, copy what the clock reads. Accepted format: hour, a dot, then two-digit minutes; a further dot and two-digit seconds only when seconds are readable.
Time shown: 10.14
